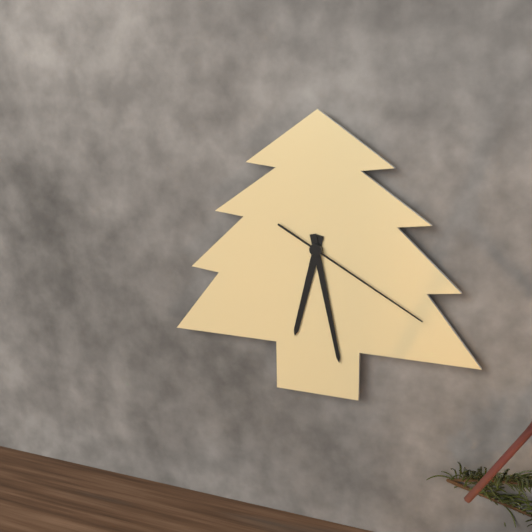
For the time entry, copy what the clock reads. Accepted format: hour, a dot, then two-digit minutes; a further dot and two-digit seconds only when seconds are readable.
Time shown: 6.28.20
